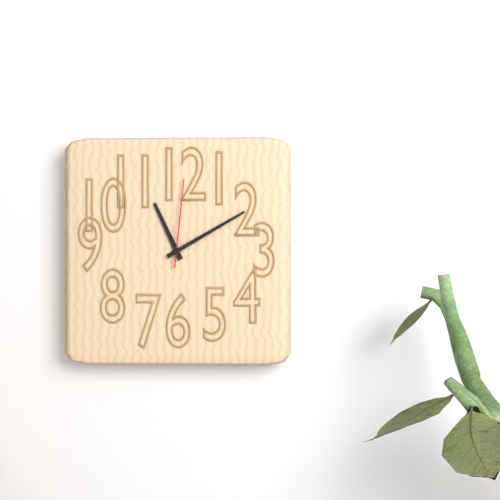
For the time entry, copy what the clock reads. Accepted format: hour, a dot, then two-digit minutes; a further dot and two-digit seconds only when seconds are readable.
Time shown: 11.10.01
